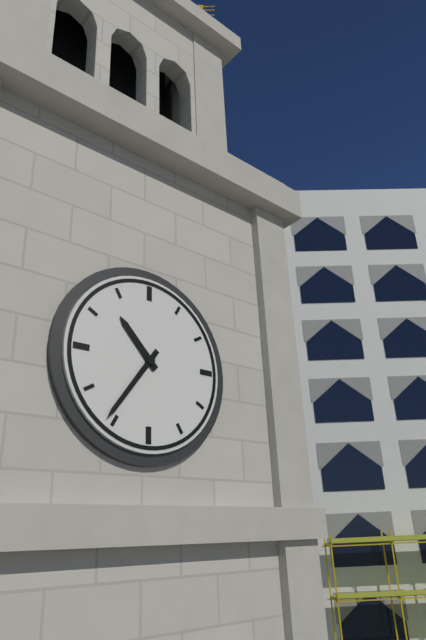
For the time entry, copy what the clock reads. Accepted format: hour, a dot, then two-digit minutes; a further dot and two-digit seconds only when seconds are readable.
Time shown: 10.36
